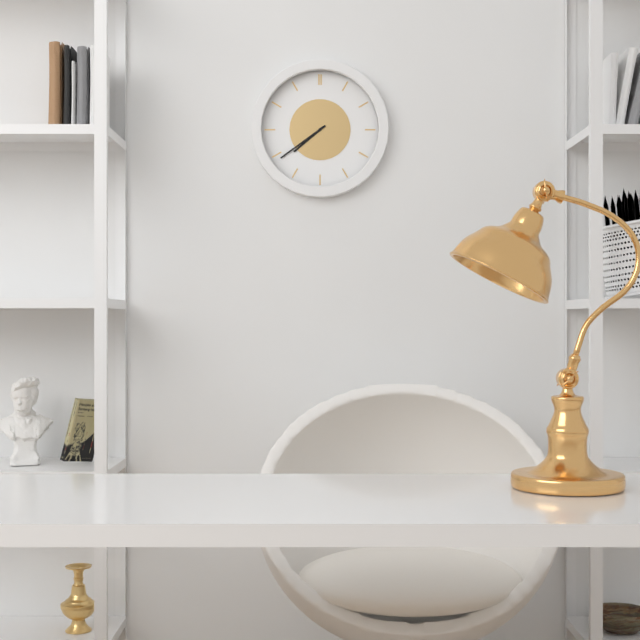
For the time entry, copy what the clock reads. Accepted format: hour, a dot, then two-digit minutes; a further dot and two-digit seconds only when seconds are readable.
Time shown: 7.39
